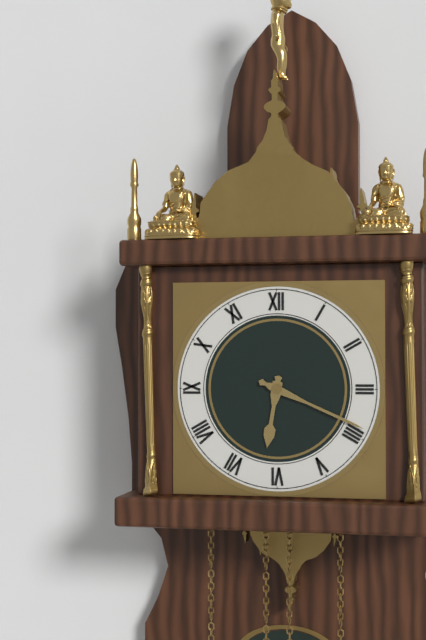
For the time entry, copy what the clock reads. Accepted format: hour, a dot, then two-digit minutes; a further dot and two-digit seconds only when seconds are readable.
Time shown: 6.19
